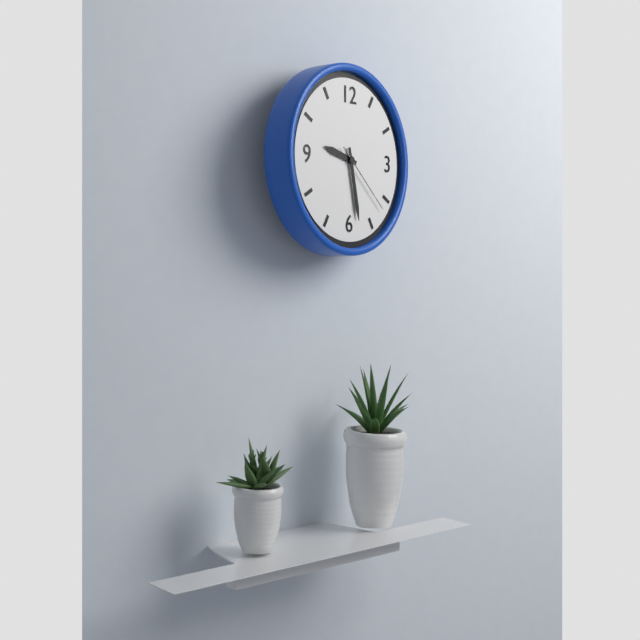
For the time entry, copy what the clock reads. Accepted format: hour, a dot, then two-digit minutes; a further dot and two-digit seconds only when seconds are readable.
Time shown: 9.28.22
